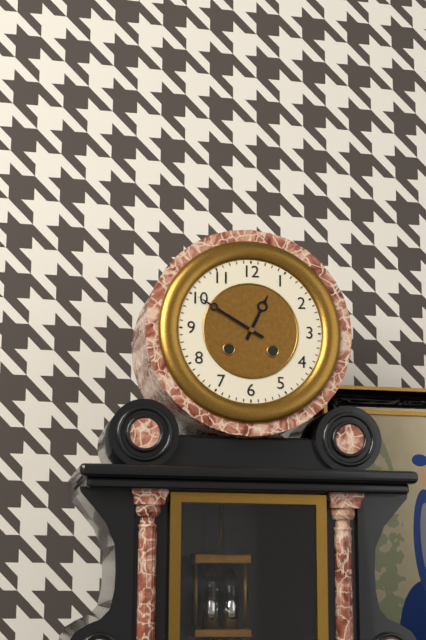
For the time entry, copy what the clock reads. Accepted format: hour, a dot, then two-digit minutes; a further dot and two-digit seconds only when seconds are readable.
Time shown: 12.50
